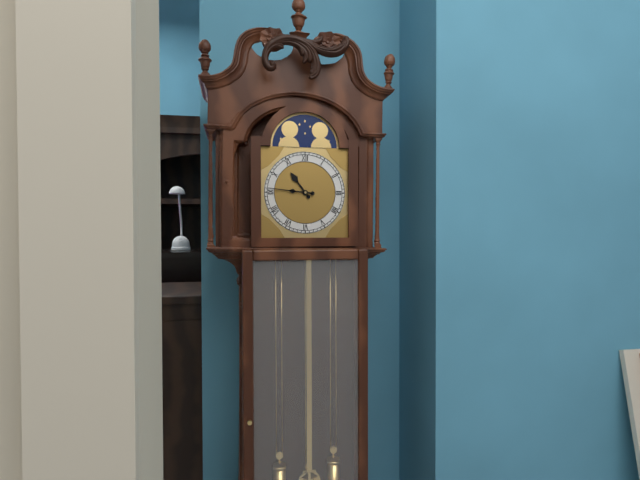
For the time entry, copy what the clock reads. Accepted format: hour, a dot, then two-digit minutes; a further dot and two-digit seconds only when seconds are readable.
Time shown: 10.46
